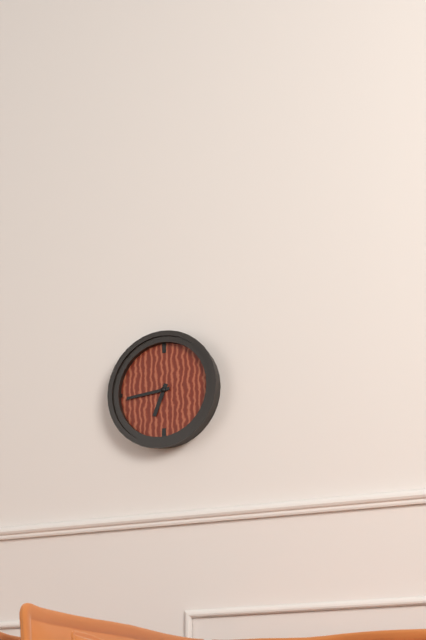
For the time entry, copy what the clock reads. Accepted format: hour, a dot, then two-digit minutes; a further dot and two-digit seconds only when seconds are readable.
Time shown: 6.44
